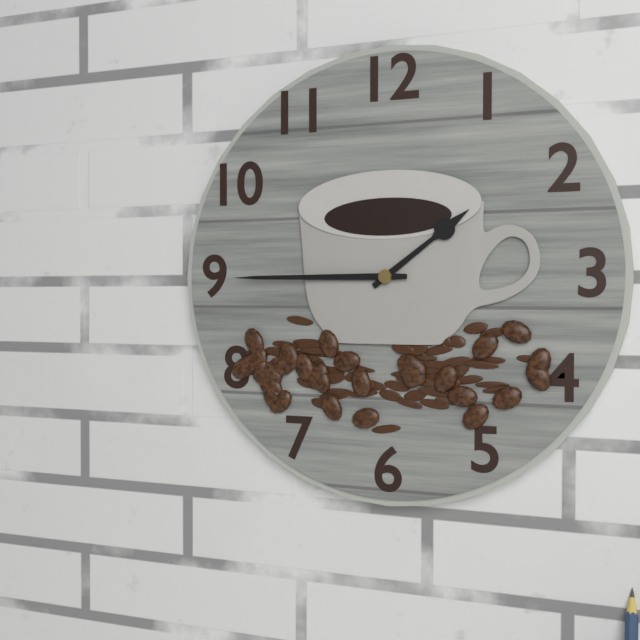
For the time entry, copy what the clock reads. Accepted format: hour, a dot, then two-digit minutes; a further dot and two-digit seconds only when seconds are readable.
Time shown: 1.45
